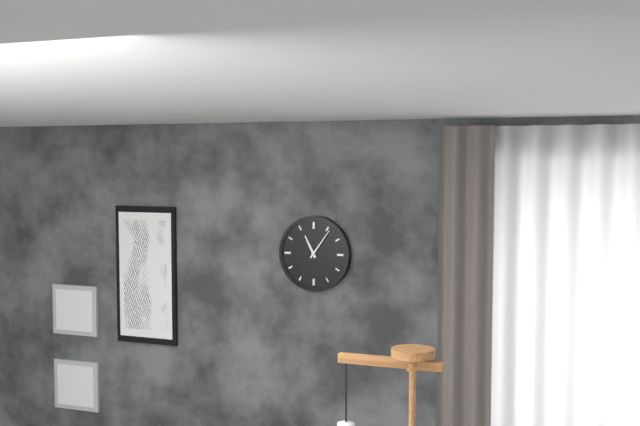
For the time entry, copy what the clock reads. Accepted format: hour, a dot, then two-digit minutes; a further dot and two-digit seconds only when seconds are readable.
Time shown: 11.06
